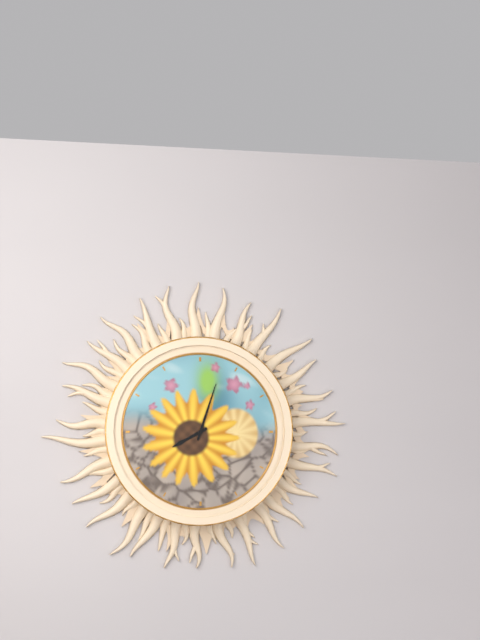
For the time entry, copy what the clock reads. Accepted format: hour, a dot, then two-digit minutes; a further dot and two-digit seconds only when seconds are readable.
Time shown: 8.03
